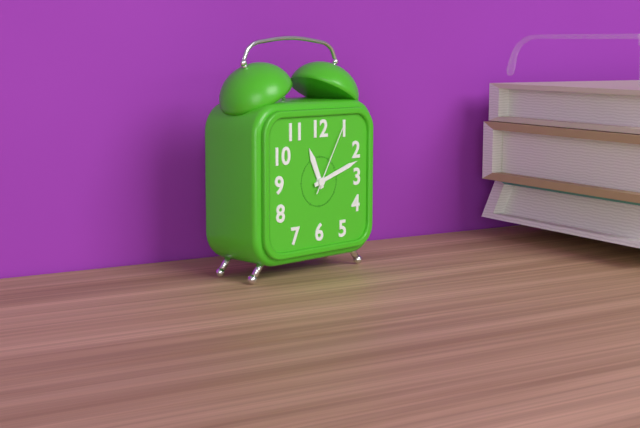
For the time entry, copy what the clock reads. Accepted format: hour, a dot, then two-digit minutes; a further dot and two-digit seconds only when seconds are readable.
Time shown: 11.12.05
